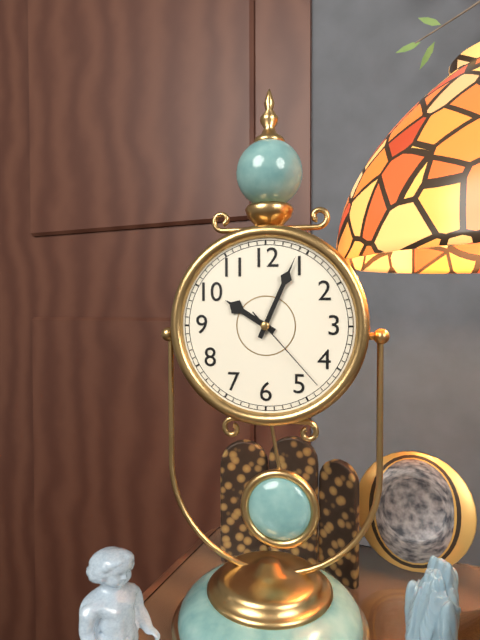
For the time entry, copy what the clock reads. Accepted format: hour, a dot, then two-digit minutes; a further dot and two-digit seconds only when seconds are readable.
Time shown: 10.04.23
